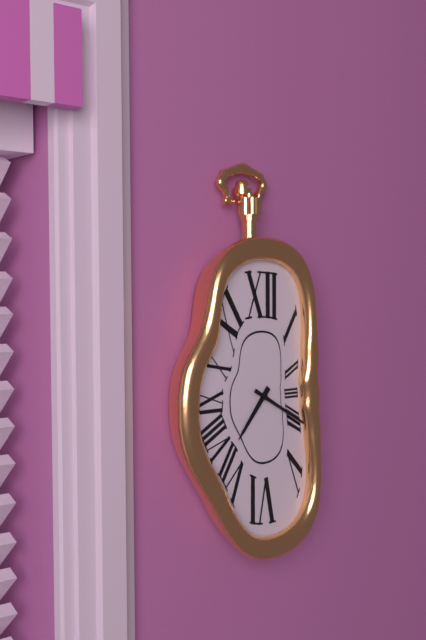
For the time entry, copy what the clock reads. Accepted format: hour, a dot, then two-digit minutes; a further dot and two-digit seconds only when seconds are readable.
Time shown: 7.20
